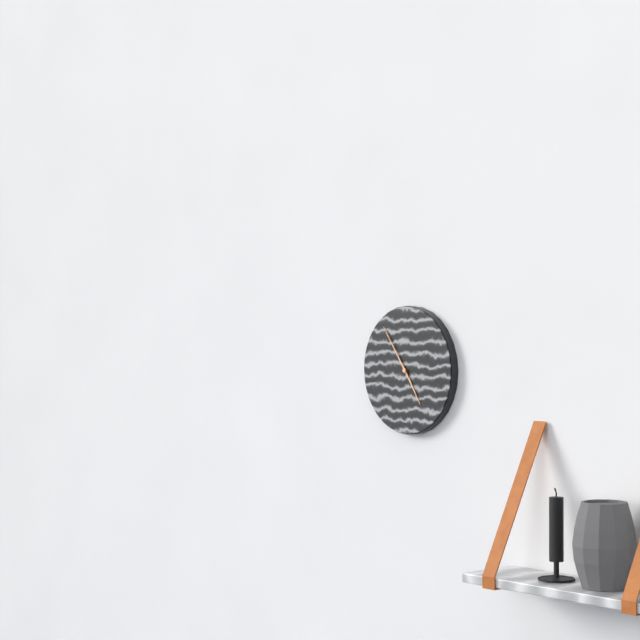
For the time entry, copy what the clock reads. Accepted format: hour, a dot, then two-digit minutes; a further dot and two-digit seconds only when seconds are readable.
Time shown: 4.54
